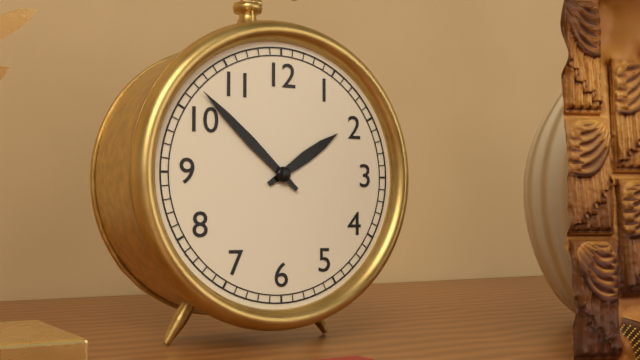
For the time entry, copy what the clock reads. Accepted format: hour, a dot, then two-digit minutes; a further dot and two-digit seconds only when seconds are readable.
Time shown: 1.52
